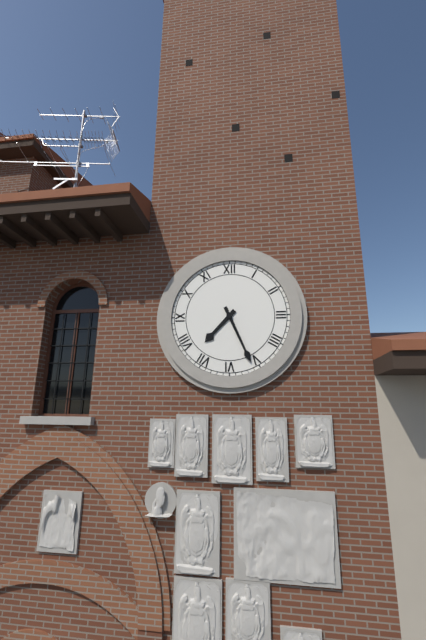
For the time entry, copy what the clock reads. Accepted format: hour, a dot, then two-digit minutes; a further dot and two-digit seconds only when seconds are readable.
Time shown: 7.26
